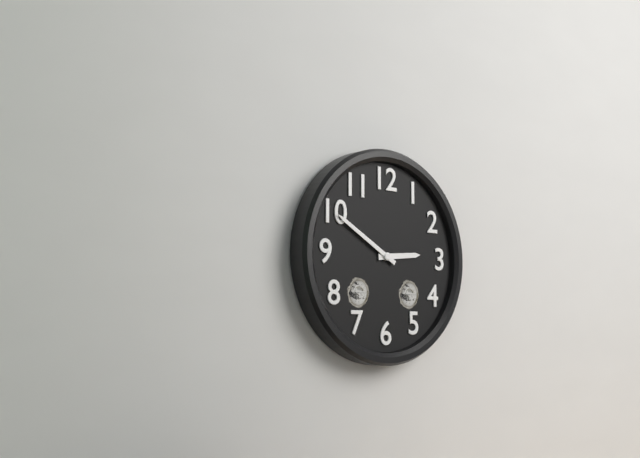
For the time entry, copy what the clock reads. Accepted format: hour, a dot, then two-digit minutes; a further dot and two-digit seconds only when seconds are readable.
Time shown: 2.50
